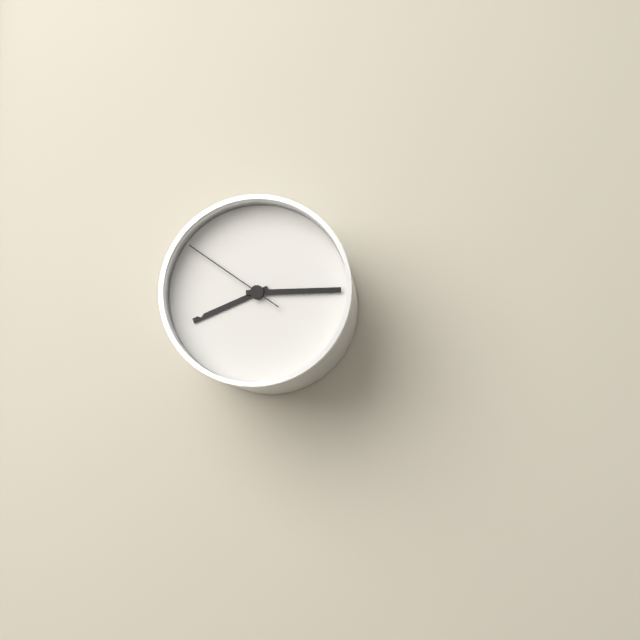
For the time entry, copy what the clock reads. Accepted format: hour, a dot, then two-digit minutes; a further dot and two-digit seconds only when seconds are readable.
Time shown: 8.15.51
